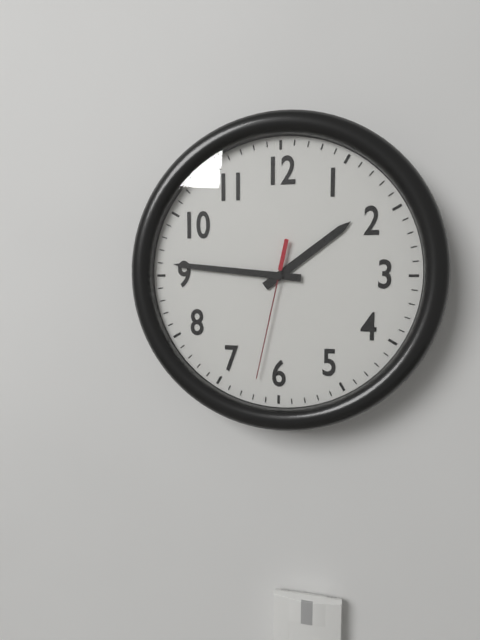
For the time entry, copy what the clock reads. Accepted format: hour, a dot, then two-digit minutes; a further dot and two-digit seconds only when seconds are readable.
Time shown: 1.46.32
